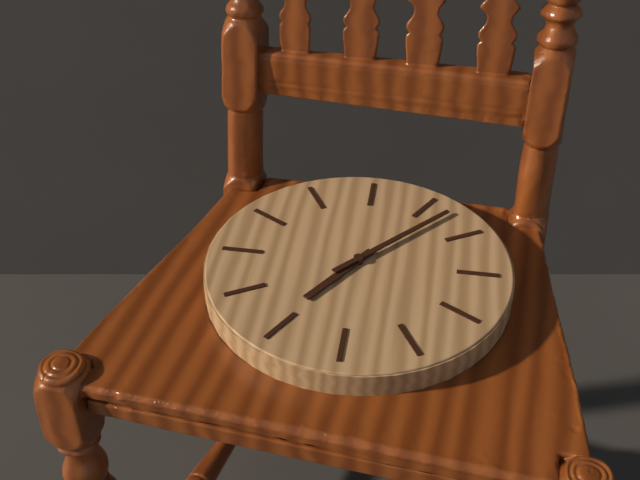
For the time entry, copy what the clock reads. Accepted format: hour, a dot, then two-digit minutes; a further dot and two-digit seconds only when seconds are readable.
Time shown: 7.07
